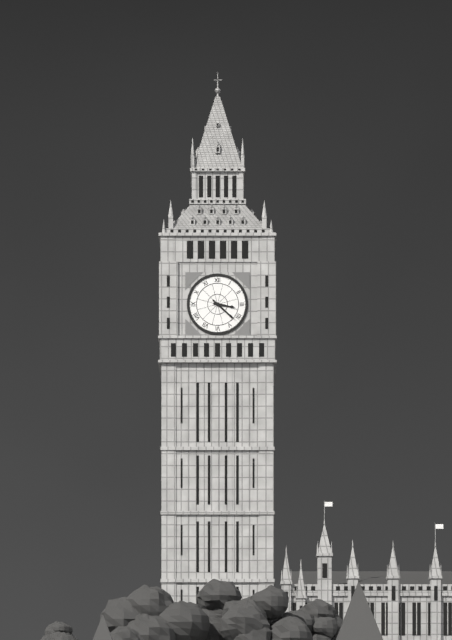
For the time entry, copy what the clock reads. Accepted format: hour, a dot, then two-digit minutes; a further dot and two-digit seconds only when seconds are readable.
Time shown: 3.22
